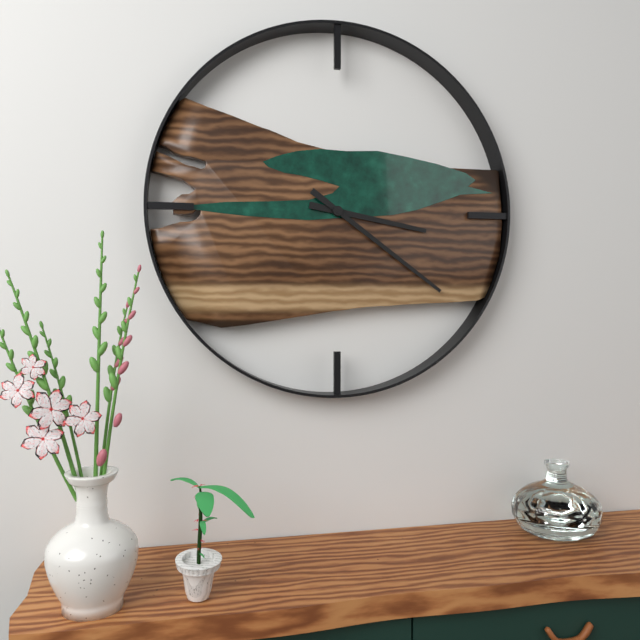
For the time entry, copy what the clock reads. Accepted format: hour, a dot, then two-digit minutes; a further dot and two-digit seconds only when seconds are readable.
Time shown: 3.21
